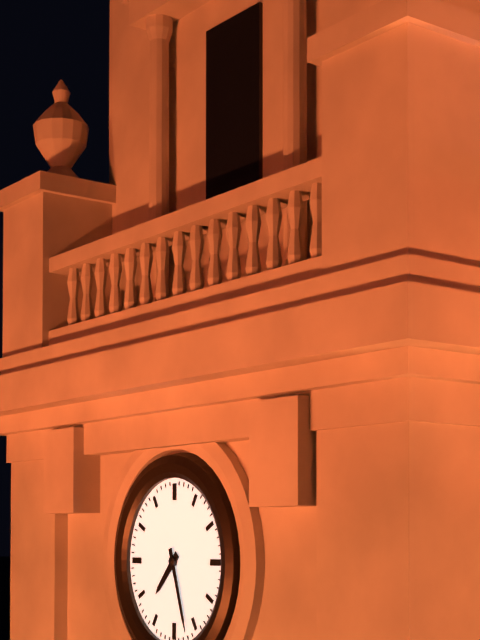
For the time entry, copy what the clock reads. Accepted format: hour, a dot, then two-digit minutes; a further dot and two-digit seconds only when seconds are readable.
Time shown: 7.27
